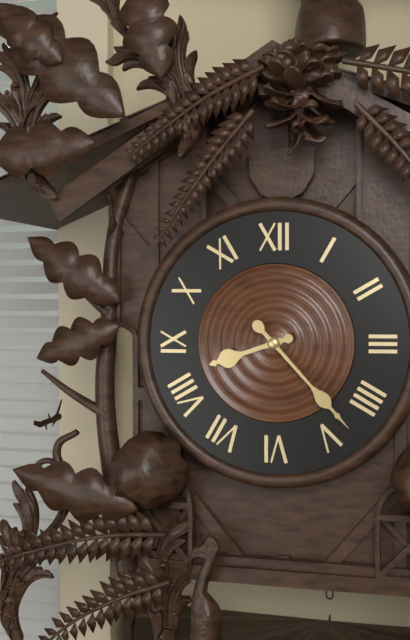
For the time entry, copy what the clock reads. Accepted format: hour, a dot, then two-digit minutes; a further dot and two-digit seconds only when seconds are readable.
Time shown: 8.23
